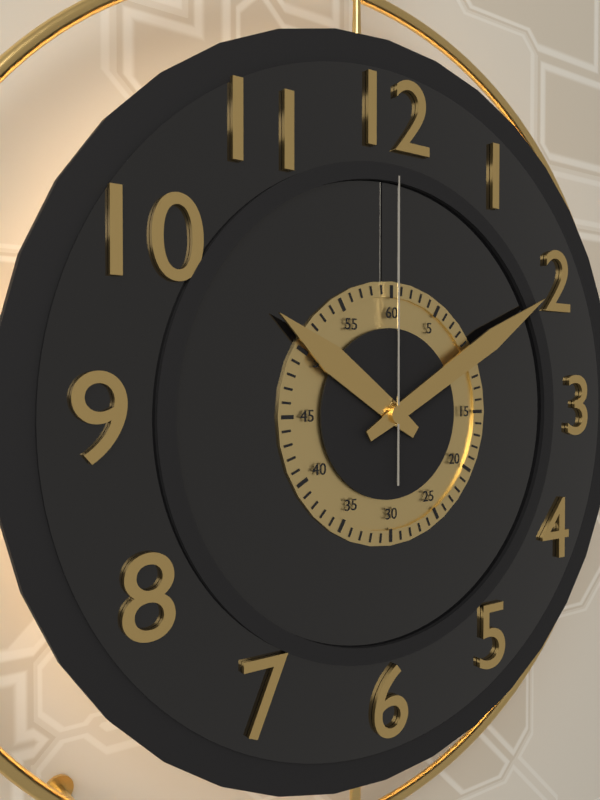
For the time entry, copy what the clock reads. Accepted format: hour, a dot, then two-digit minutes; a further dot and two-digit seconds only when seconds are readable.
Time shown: 10.10.00
